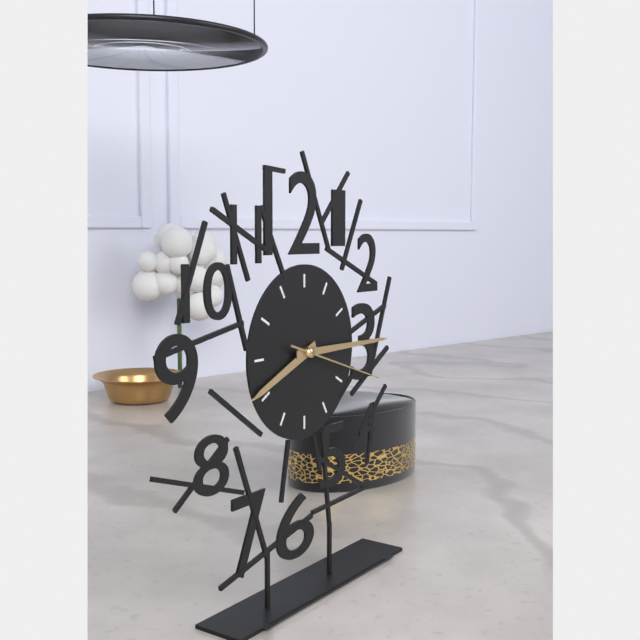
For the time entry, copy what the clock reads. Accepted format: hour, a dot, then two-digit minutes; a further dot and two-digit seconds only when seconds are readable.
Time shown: 8.15.18
